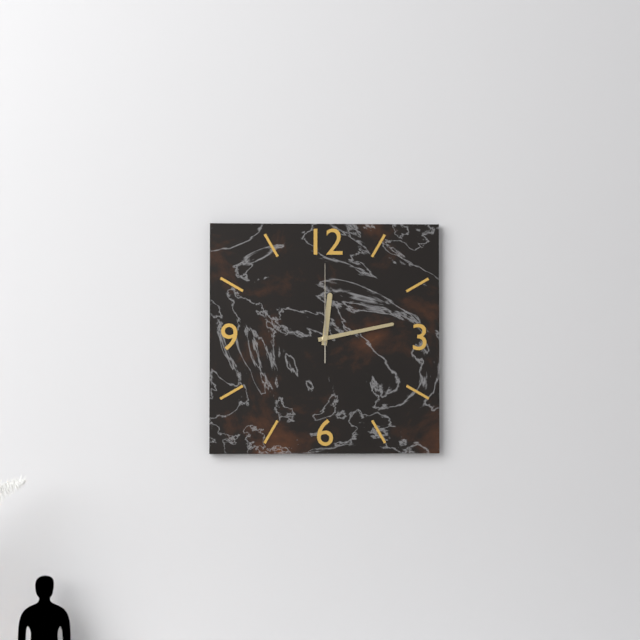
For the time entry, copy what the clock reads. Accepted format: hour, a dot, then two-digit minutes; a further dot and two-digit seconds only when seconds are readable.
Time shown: 12.13.00
